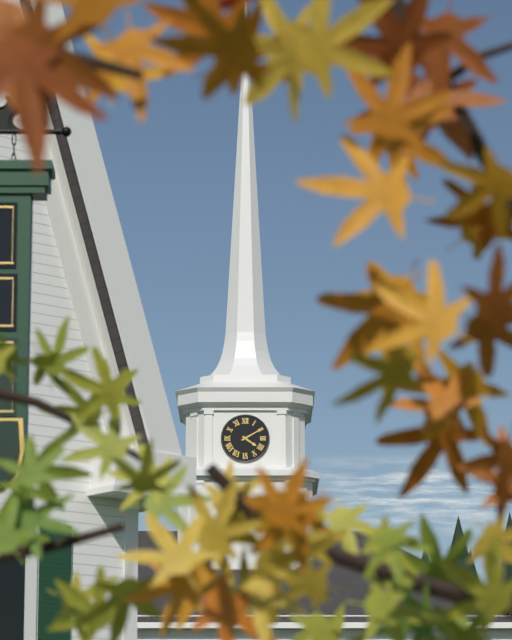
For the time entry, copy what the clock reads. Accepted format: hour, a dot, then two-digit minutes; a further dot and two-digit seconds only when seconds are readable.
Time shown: 4.10
